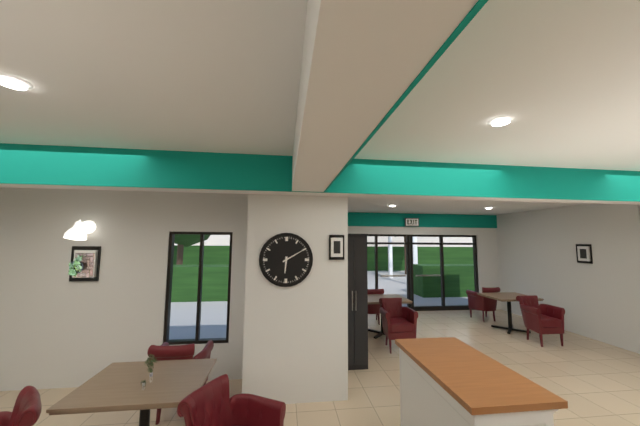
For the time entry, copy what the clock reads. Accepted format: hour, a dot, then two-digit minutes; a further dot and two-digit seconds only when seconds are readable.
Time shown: 6.10
